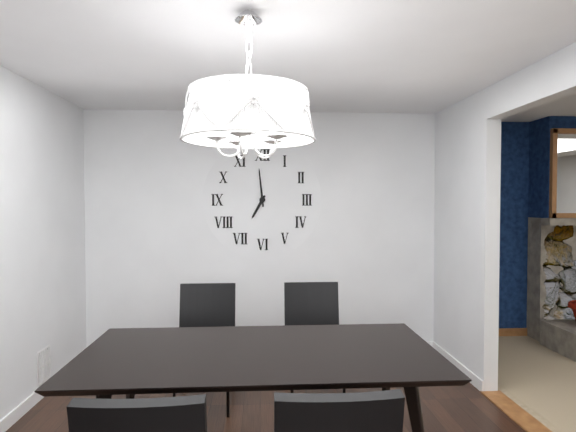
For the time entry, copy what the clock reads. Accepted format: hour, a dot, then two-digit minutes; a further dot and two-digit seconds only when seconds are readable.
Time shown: 6.59
